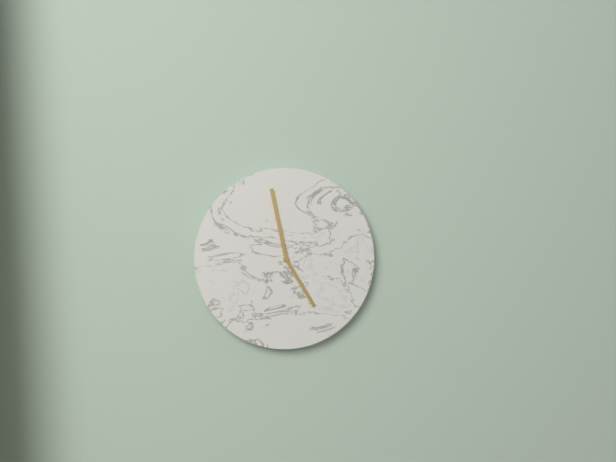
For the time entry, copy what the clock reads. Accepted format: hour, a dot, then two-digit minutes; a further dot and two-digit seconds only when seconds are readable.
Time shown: 4.58
